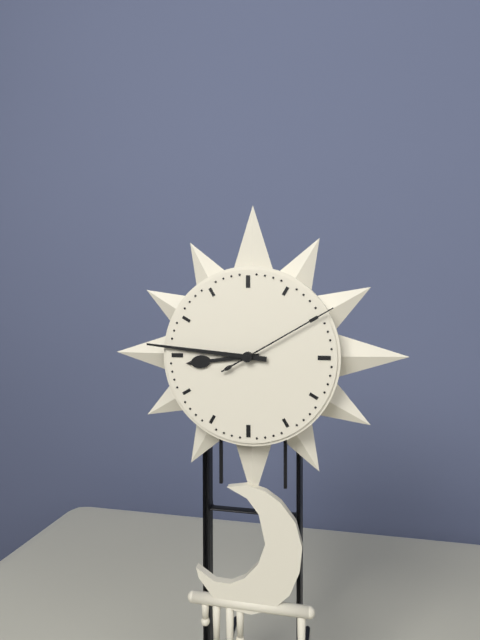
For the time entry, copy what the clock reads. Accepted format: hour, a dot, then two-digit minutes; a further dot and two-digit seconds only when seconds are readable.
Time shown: 8.46.10
